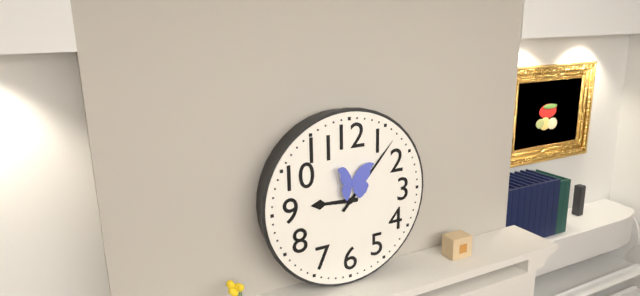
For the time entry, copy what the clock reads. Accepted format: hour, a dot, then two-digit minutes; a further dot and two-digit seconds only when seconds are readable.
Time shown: 9.07
